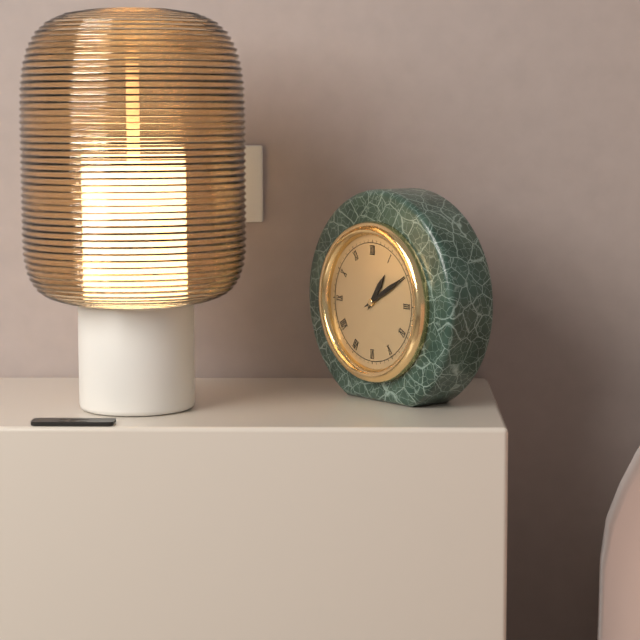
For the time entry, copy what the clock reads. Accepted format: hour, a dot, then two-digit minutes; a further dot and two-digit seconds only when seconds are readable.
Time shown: 1.10
